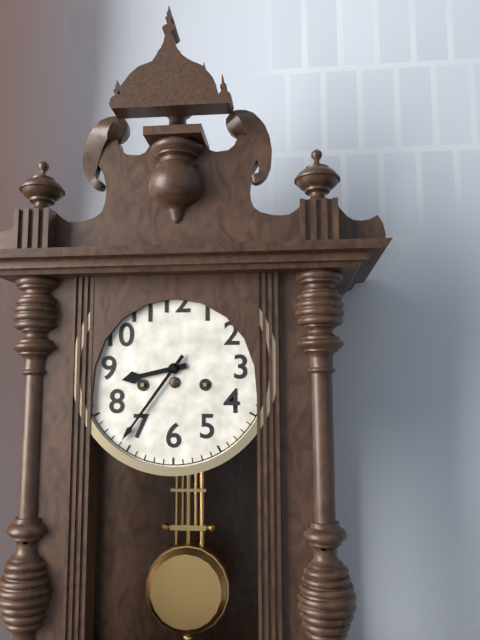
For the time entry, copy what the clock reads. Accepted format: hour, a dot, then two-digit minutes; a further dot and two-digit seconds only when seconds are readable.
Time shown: 8.36
